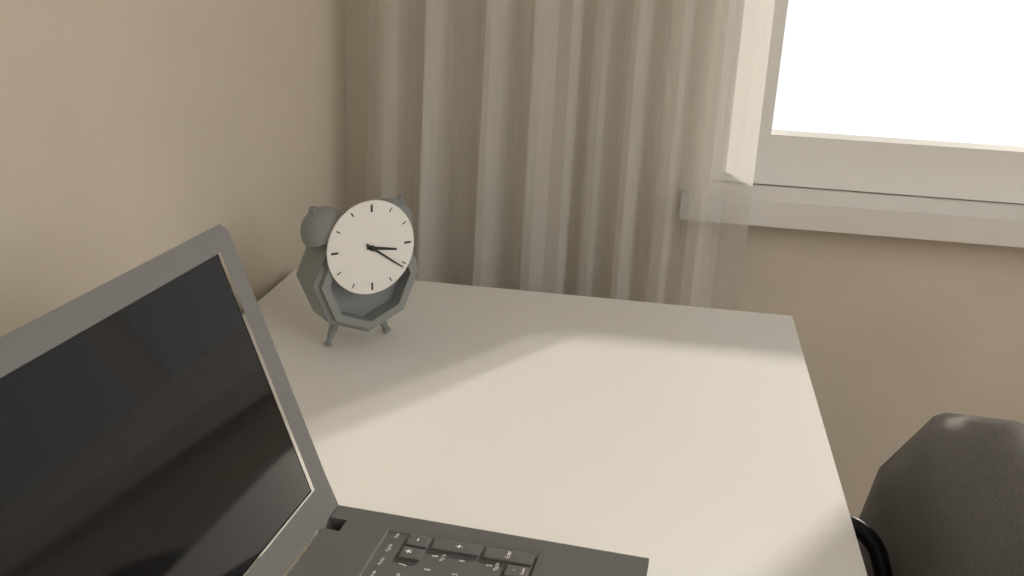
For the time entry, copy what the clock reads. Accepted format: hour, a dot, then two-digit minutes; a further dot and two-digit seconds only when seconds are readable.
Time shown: 3.21
